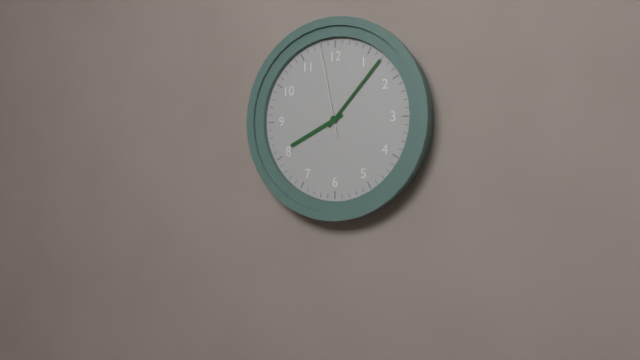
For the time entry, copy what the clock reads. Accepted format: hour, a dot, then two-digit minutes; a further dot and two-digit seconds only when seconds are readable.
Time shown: 8.07.58
